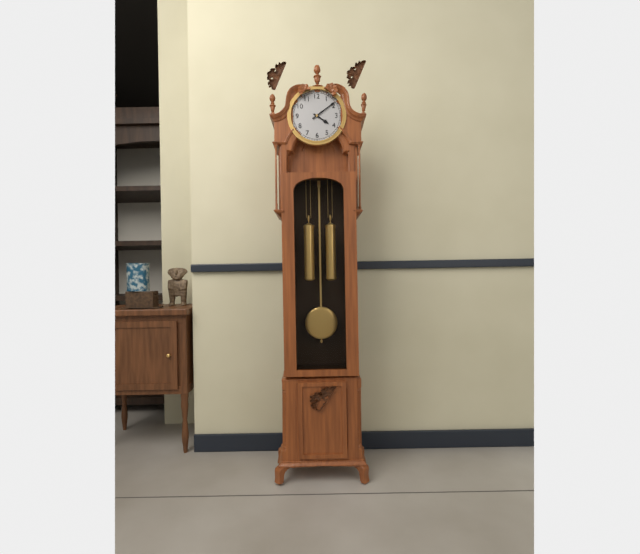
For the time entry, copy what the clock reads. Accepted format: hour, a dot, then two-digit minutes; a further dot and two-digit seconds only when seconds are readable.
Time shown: 4.09
